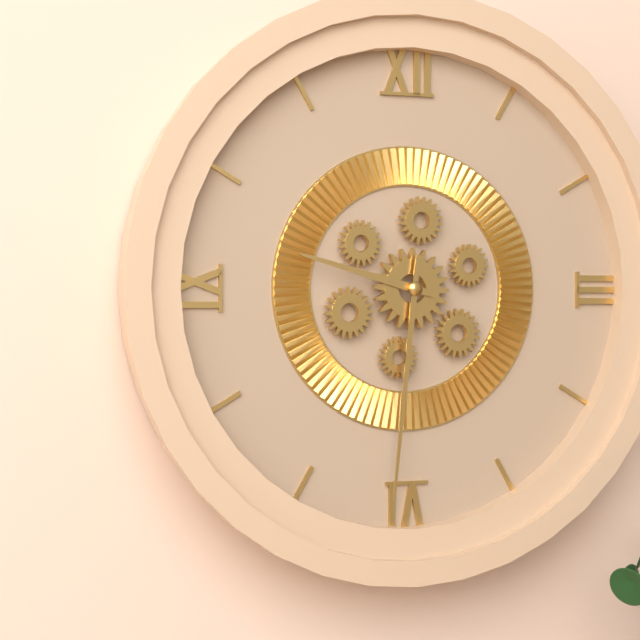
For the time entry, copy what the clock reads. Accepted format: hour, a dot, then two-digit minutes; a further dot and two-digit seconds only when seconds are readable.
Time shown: 9.31
